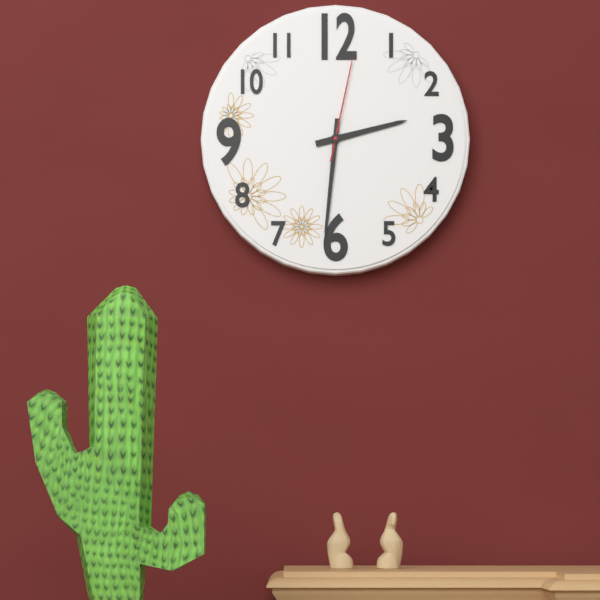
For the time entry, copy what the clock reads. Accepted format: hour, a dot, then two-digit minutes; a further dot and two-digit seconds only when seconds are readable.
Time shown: 2.31.02
